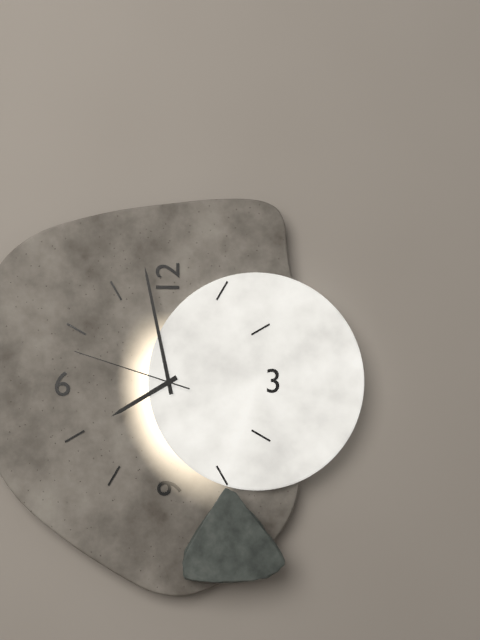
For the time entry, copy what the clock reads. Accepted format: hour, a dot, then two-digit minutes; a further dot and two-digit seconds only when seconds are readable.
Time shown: 7.58.48
